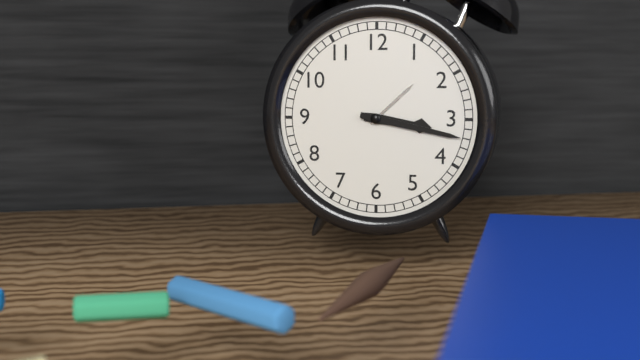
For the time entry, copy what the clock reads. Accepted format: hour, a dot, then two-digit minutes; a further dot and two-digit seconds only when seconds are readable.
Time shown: 3.17
